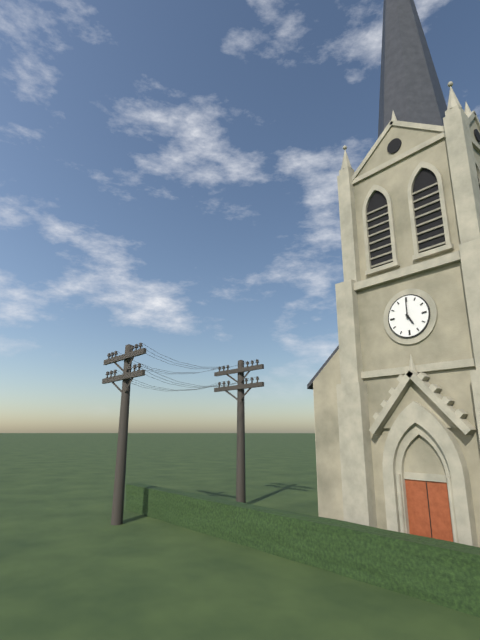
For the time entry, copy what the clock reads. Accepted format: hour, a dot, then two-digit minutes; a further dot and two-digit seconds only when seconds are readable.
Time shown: 5.00
